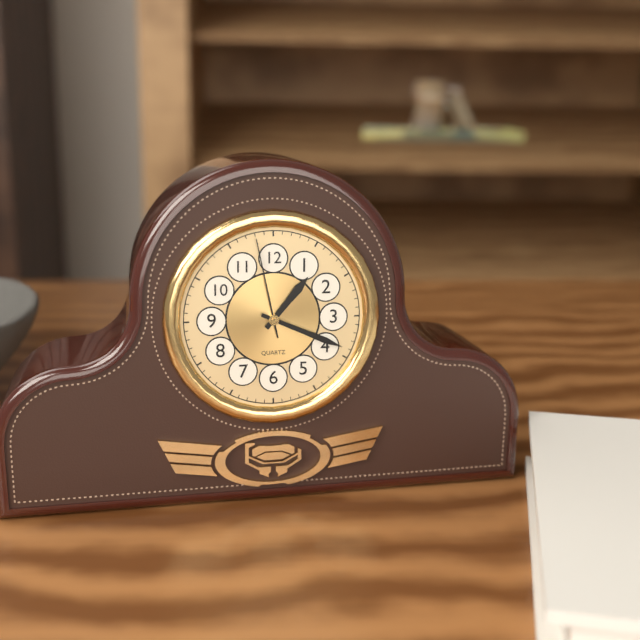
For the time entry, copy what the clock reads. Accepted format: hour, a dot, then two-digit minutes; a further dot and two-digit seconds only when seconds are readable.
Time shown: 1.19.58
